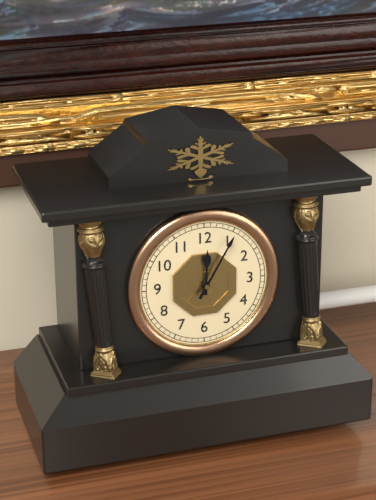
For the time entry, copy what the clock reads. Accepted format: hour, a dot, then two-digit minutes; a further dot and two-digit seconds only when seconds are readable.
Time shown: 12.05
